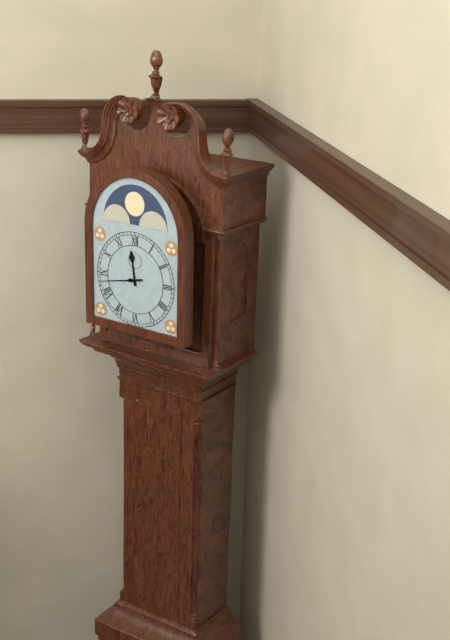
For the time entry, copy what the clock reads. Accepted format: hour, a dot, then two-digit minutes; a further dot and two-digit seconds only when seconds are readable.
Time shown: 11.43
